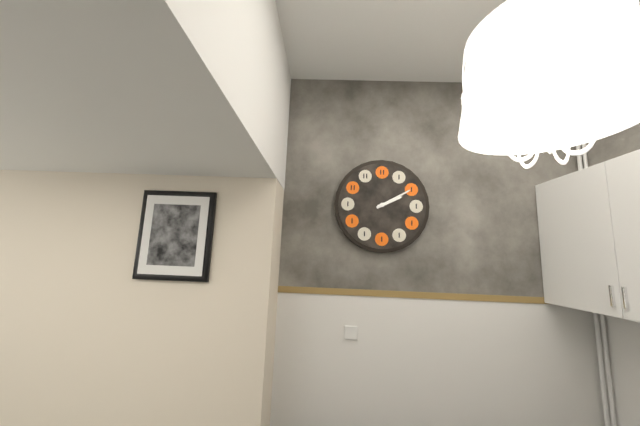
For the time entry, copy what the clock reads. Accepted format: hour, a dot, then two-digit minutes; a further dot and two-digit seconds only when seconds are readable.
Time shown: 2.10
